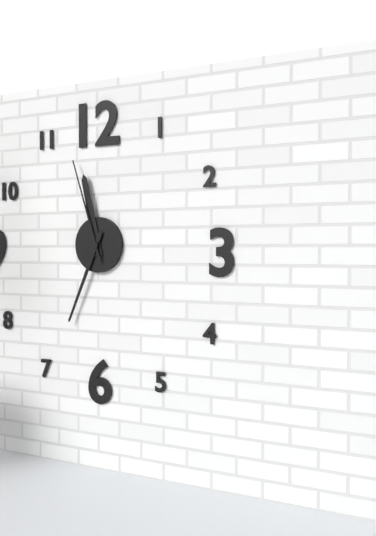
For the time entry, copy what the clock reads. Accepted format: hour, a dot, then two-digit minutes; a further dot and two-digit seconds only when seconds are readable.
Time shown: 11.34.57
